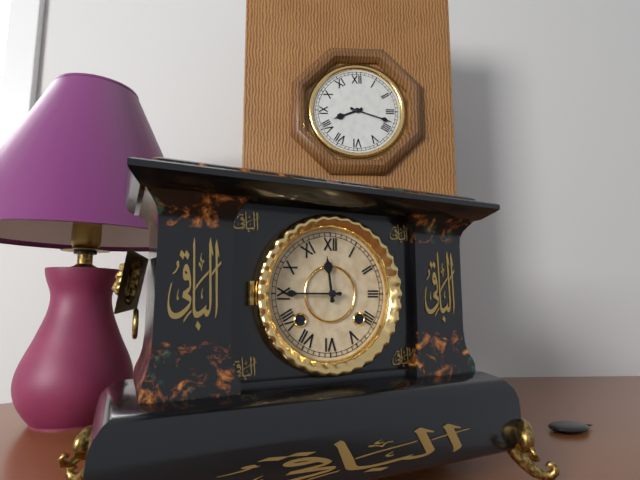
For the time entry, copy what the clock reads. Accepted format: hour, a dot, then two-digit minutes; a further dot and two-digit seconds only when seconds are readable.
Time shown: 11.45
